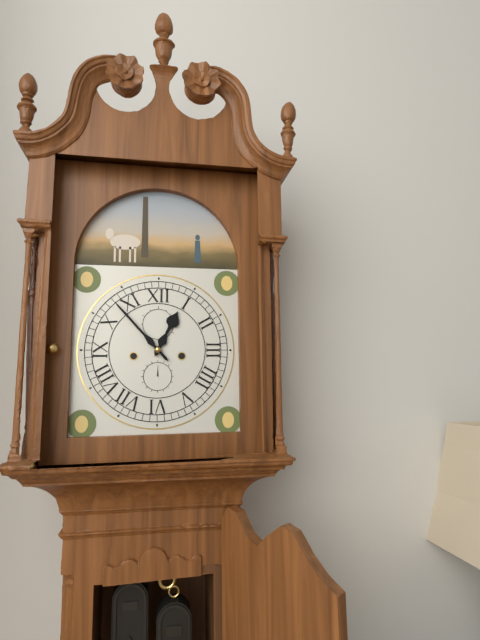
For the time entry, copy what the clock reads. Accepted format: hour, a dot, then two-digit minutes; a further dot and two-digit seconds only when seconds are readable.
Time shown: 12.53
